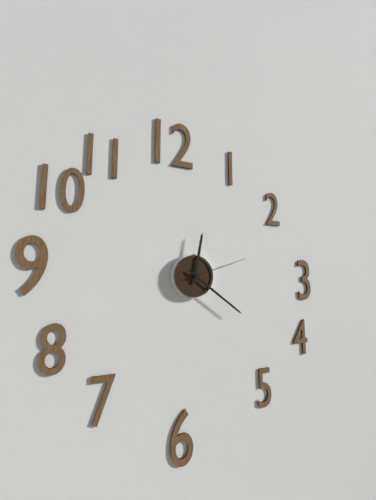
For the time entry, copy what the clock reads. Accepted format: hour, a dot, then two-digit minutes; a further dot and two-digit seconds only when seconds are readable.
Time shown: 12.21.12
